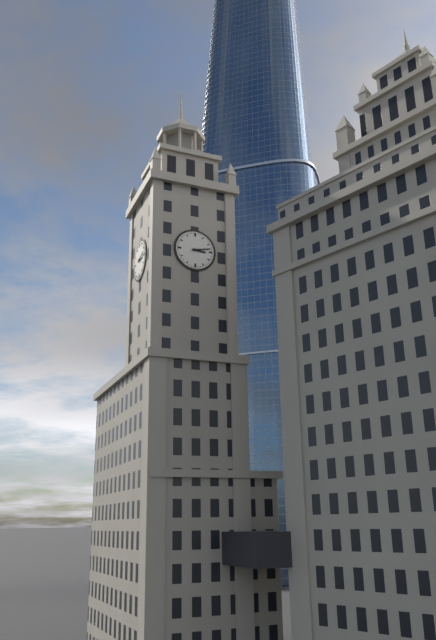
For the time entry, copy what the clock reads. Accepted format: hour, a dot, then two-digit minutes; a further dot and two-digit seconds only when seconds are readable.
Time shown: 3.13
